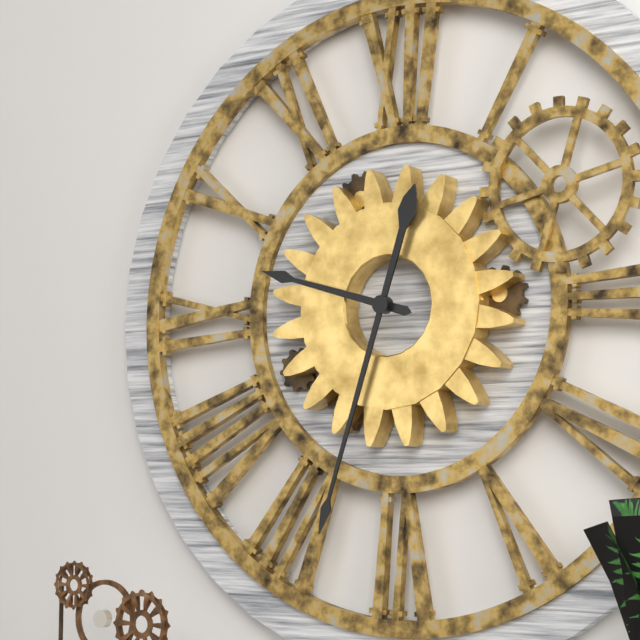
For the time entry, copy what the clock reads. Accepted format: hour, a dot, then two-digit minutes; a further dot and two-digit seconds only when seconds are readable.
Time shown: 9.33
